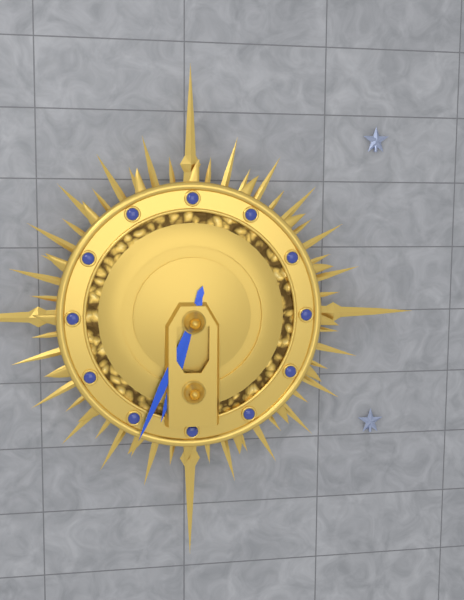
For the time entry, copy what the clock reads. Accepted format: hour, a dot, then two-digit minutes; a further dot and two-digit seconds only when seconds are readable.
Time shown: 6.34
